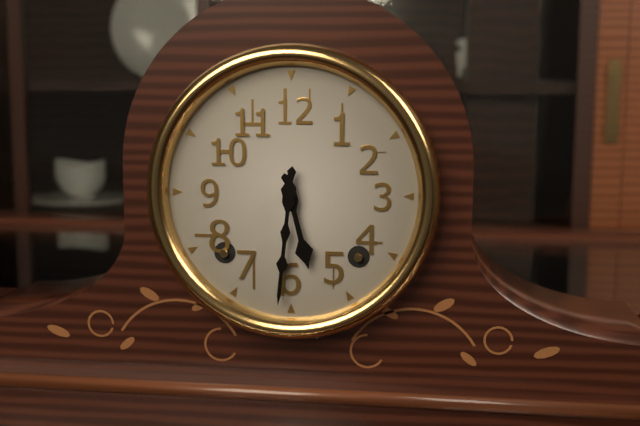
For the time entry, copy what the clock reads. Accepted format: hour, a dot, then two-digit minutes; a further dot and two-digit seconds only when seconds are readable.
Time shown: 5.31
